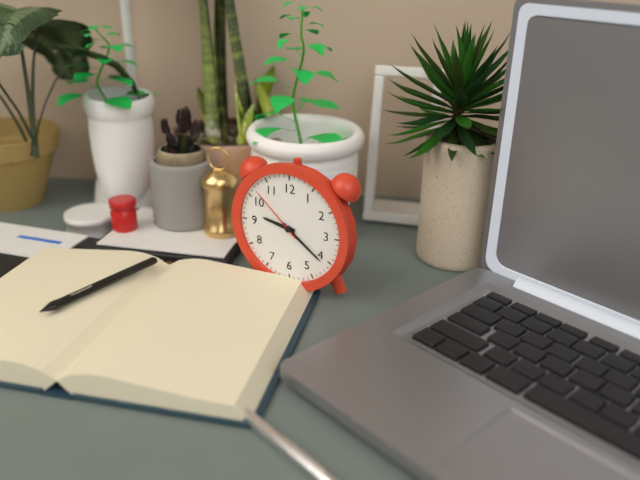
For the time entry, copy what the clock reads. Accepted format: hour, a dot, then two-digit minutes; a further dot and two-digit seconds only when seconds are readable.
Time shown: 9.21.52
